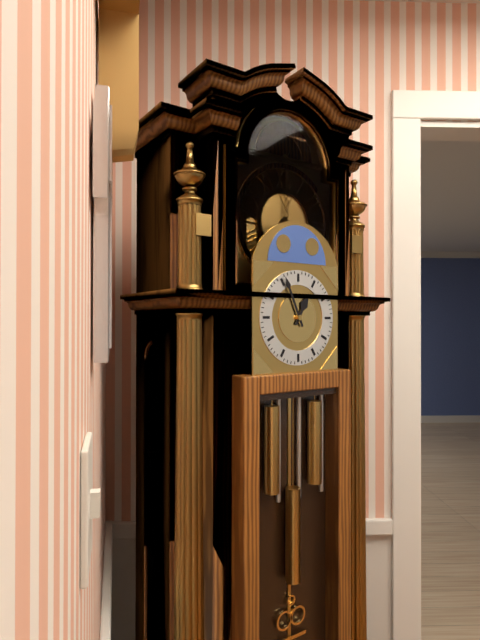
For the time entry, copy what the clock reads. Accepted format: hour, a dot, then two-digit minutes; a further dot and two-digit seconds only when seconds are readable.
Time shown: 12.56
